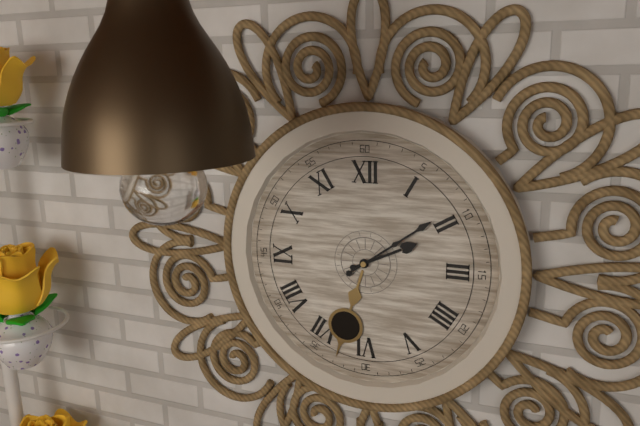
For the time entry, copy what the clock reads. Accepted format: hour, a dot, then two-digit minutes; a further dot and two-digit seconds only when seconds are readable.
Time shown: 2.09
